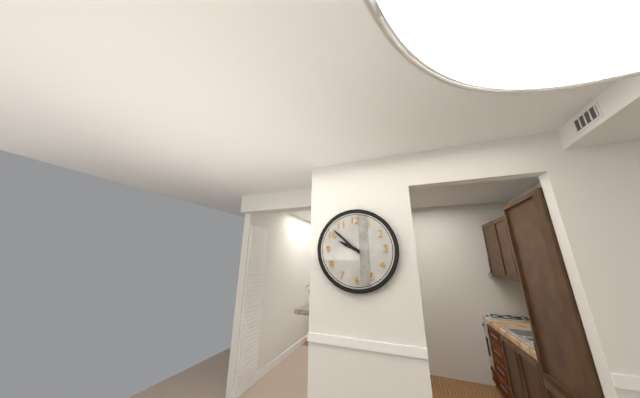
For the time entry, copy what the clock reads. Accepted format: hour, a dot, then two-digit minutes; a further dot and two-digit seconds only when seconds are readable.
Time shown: 9.52
